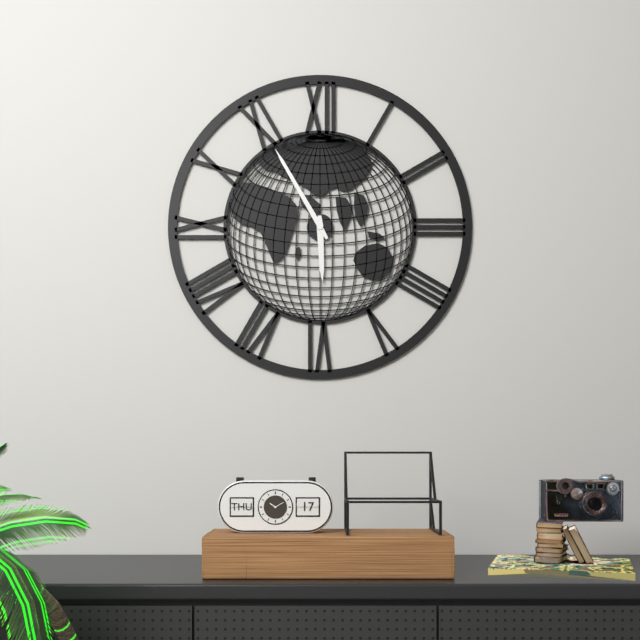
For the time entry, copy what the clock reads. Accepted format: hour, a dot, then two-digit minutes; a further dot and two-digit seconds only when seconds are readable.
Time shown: 5.55
